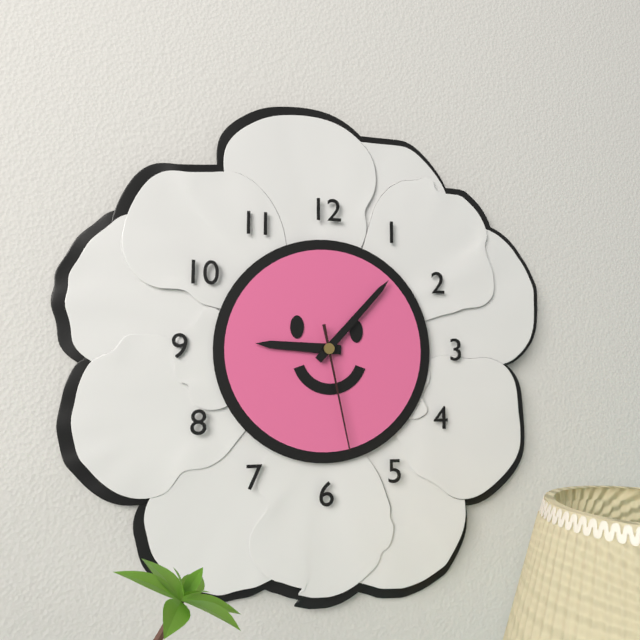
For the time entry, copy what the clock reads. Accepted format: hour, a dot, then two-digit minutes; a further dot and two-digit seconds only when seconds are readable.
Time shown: 9.07.28
